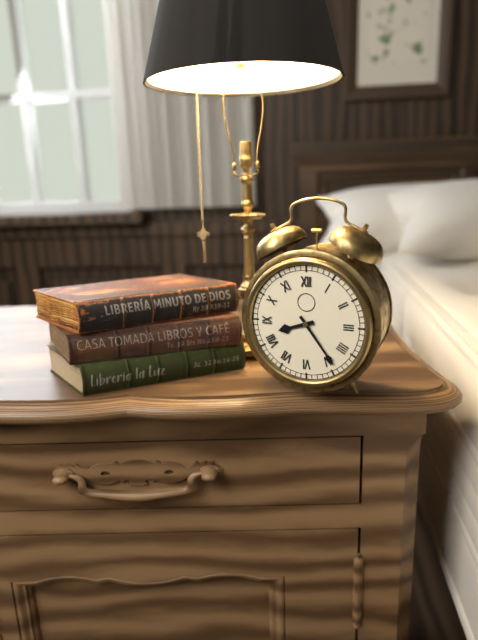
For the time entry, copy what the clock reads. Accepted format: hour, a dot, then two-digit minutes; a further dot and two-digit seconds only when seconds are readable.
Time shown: 8.24
